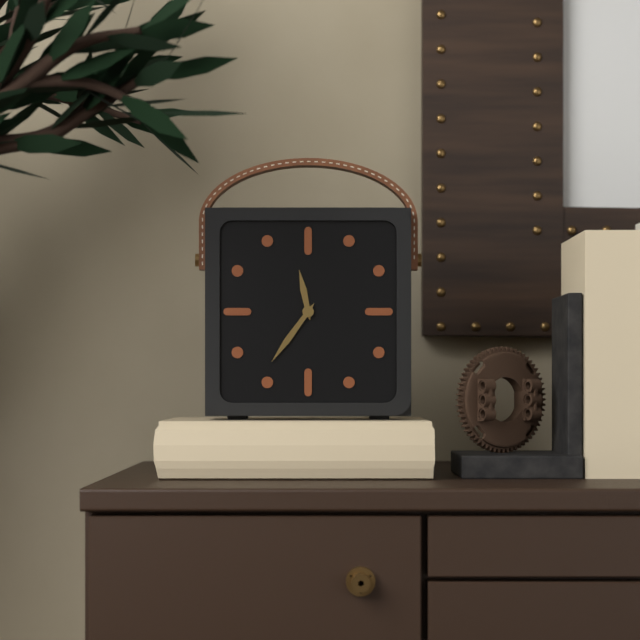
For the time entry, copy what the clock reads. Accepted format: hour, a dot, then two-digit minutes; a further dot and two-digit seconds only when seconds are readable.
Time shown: 11.36
